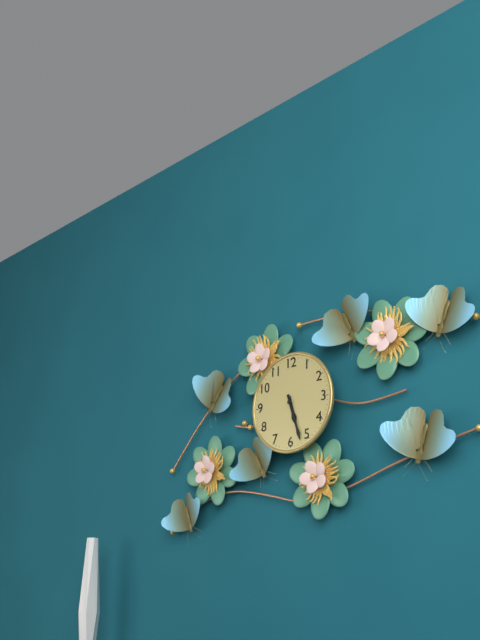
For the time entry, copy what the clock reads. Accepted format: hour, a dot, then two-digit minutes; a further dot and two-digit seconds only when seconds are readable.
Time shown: 5.27
